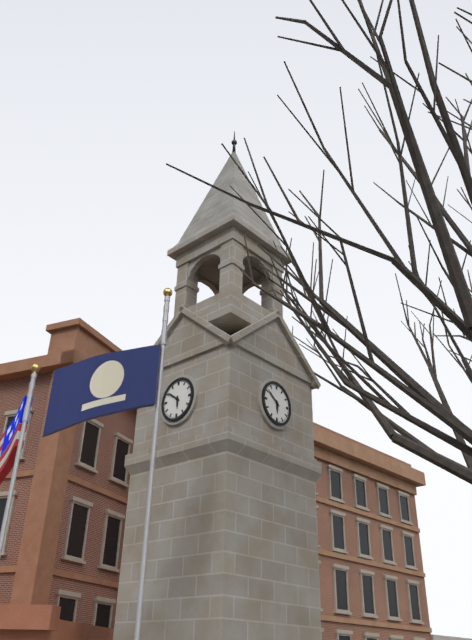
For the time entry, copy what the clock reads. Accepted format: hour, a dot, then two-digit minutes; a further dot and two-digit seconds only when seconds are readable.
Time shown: 5.51
